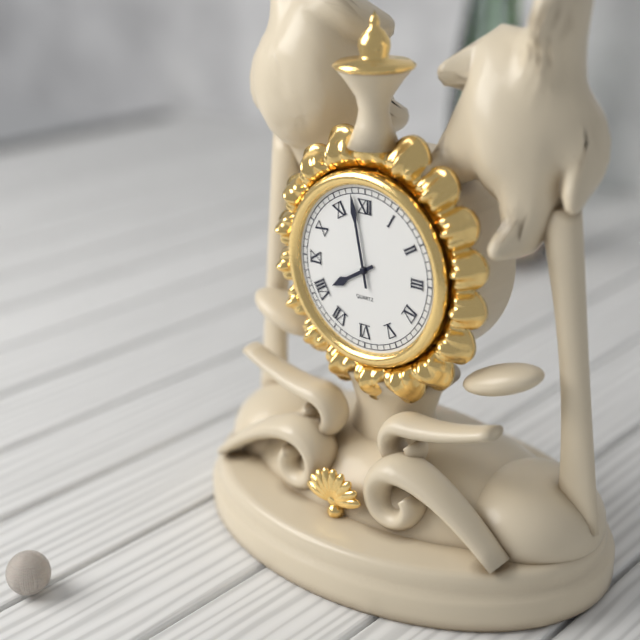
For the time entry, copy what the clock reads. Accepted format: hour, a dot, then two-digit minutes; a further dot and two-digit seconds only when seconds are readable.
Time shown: 7.58
